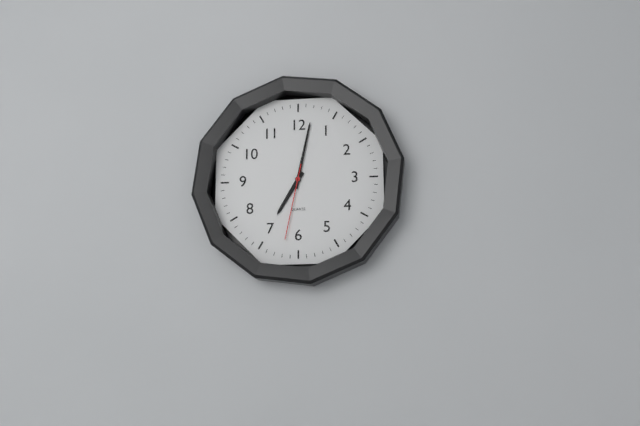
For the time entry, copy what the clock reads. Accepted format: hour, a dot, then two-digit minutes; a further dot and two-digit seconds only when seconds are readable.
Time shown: 7.02.32
